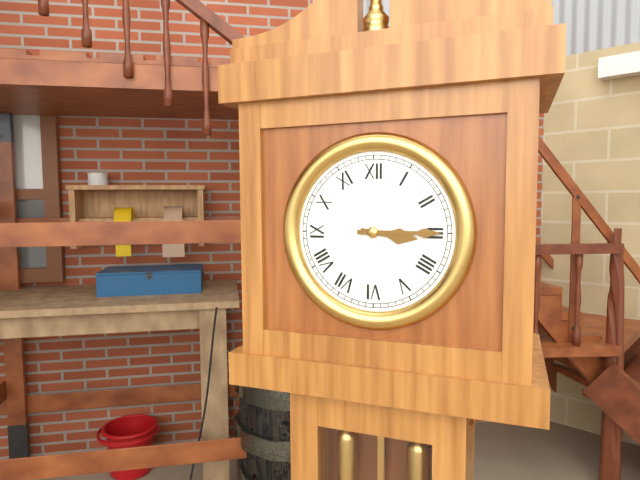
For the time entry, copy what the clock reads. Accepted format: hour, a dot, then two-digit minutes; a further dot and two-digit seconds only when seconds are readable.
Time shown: 3.15
